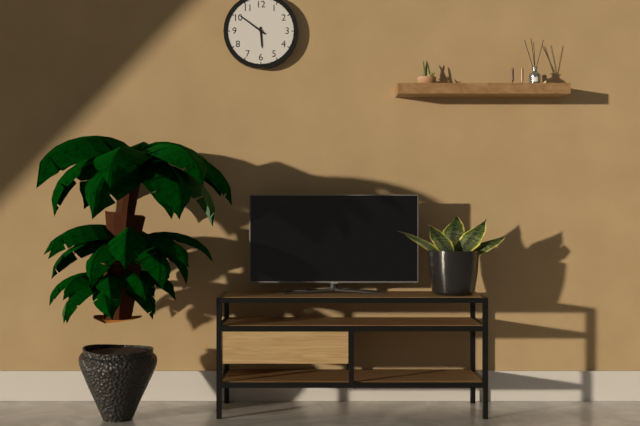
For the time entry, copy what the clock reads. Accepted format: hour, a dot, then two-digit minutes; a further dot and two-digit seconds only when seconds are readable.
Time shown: 5.51
